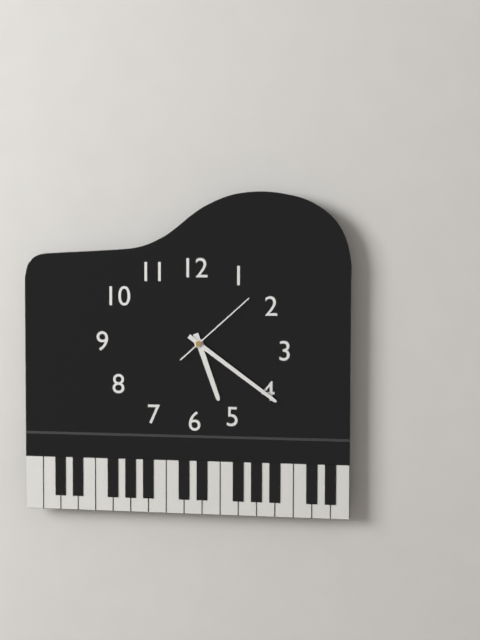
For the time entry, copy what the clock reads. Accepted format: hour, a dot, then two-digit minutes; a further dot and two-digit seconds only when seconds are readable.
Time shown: 5.21.08
